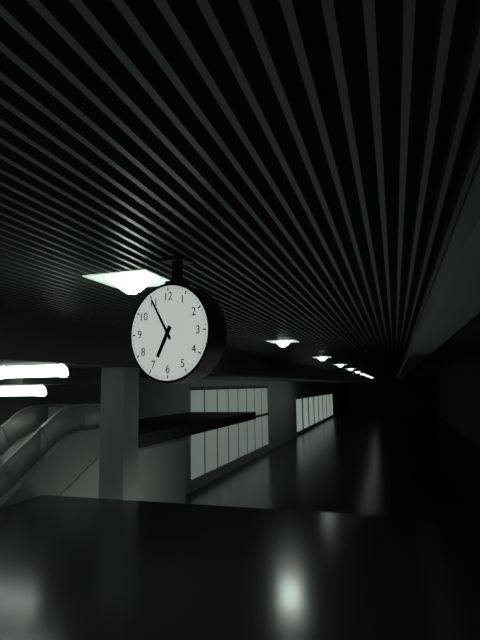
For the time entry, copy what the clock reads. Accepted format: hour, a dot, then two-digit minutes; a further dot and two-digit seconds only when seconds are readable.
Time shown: 6.55
